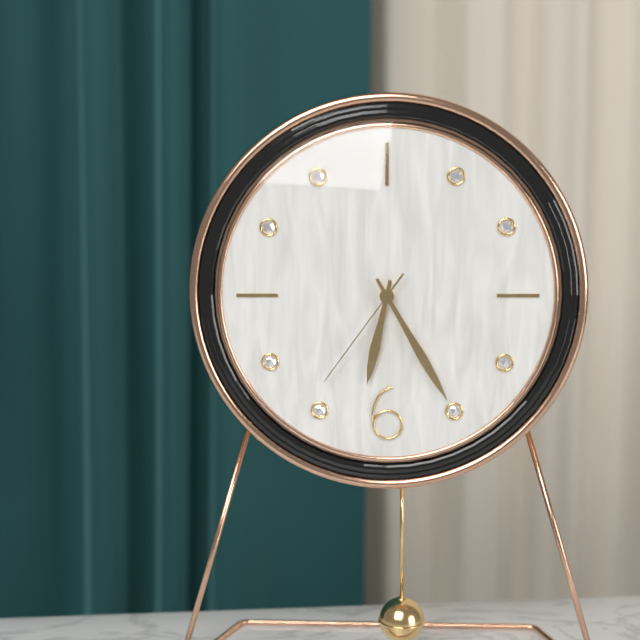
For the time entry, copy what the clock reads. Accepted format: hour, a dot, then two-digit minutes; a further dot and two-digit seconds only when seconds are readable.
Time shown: 6.25.36
